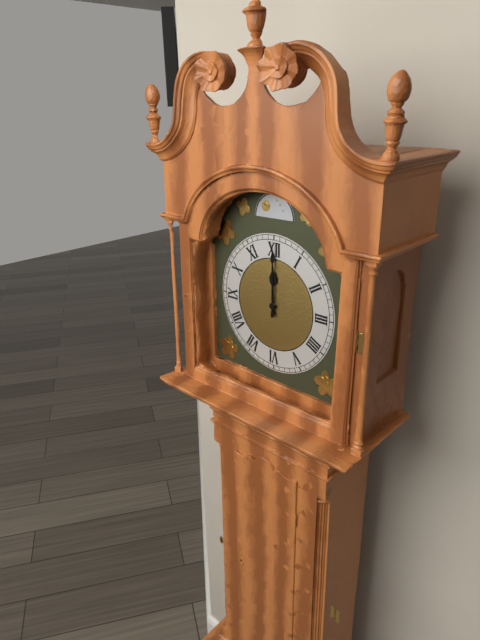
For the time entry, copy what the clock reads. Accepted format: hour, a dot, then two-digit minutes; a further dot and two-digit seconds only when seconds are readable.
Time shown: 12.00
